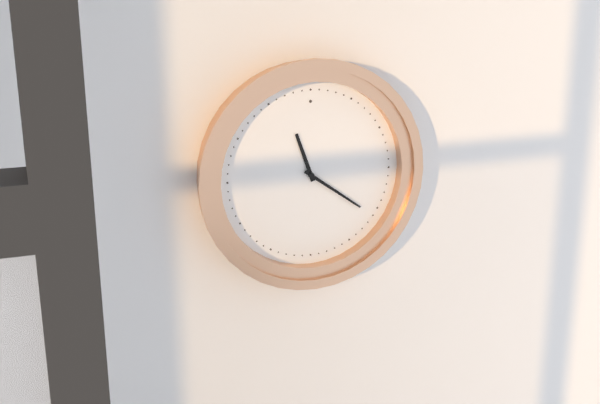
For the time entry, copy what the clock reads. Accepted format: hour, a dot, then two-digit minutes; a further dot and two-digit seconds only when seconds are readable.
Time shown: 11.21
